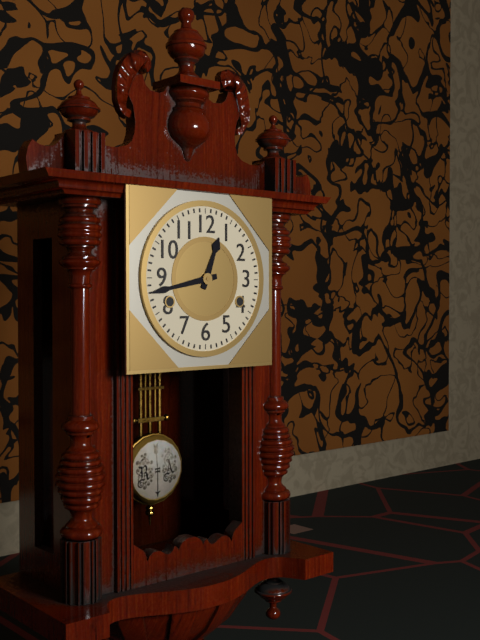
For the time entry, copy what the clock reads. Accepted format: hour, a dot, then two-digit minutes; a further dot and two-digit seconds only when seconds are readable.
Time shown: 12.43
